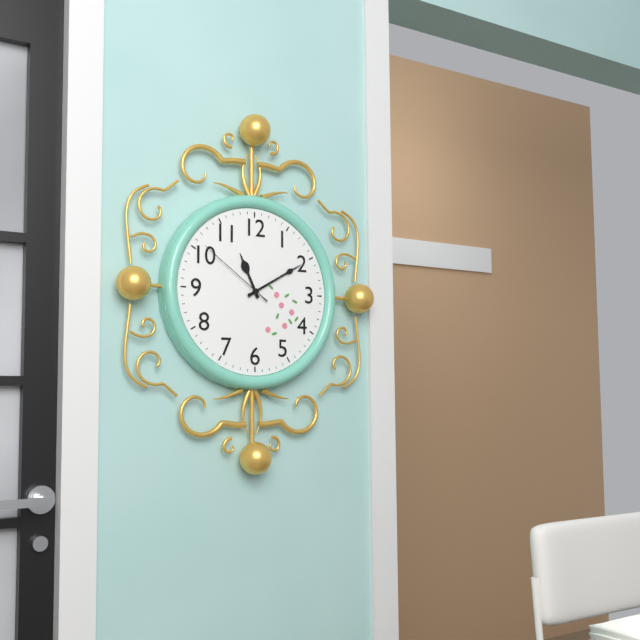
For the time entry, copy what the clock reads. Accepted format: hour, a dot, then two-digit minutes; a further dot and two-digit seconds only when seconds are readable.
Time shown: 11.10.51
